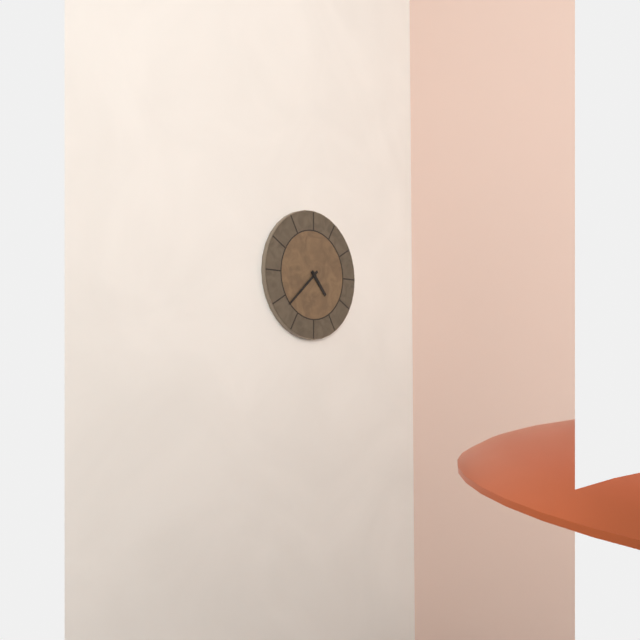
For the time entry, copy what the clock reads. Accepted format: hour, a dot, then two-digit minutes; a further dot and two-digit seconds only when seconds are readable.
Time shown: 4.38
